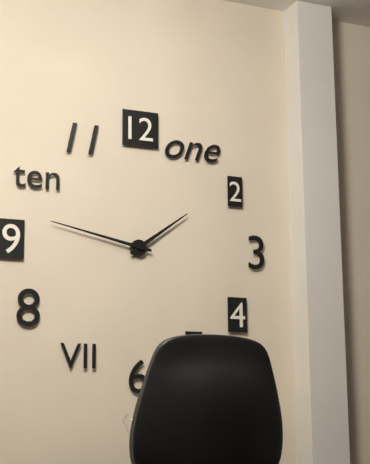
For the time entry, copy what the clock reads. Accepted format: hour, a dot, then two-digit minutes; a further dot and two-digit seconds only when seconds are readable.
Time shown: 1.47
